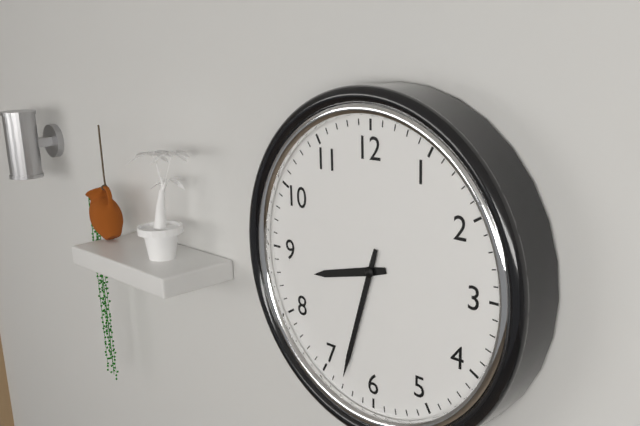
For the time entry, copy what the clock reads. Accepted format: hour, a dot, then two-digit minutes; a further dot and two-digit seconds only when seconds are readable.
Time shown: 8.33
